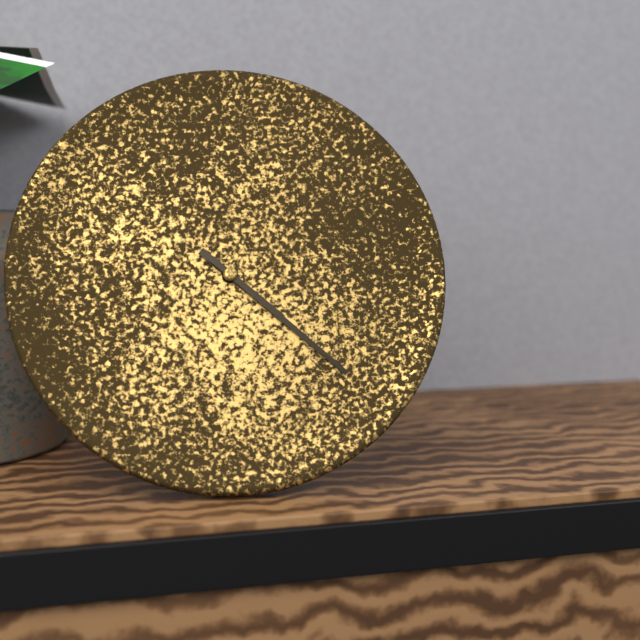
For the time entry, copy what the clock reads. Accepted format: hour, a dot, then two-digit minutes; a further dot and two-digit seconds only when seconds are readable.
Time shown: 4.22
